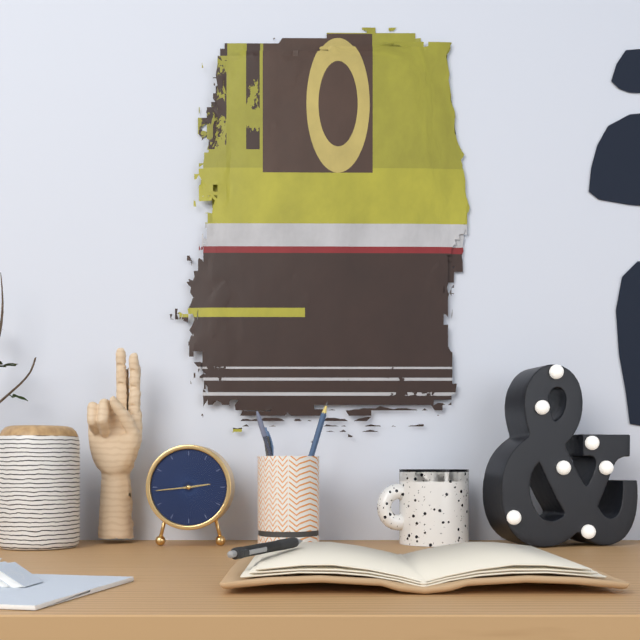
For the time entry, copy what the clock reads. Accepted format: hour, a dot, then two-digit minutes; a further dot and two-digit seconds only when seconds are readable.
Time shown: 2.44
